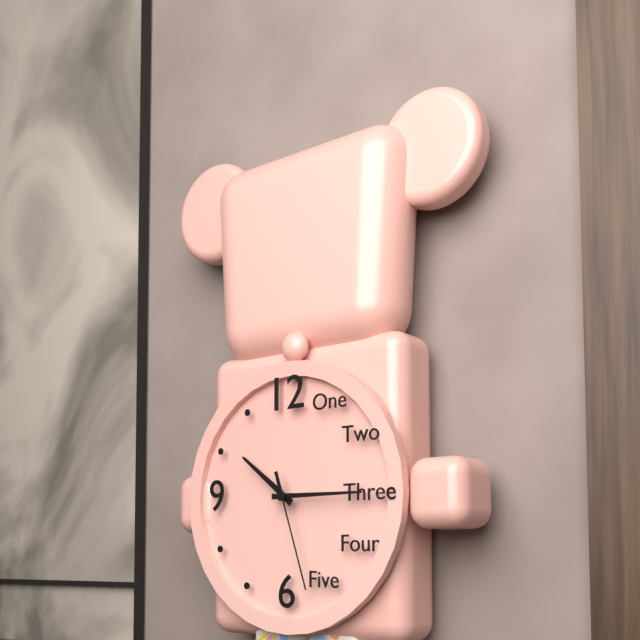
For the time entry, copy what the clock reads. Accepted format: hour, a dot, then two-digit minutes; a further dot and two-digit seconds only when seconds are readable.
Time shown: 10.15.27
